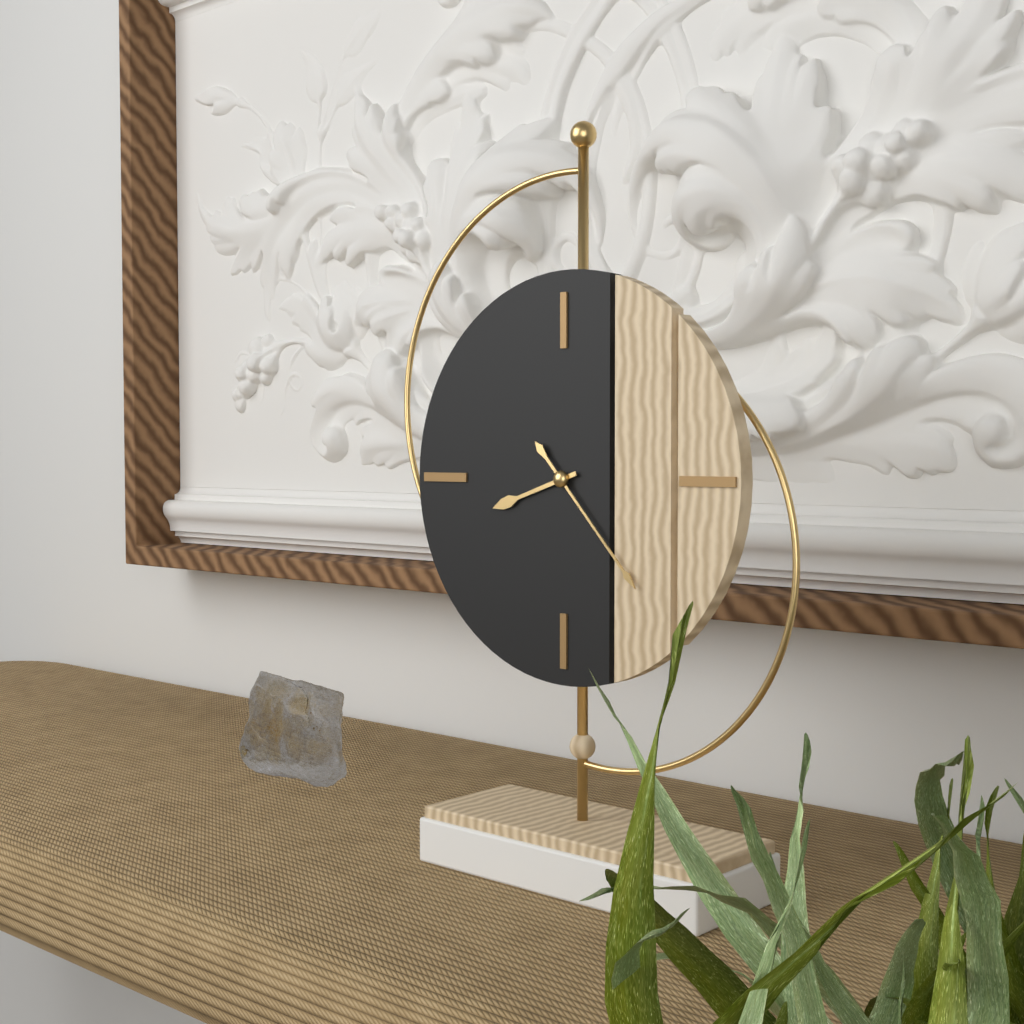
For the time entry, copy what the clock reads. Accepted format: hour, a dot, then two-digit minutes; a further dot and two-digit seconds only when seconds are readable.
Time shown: 8.23
